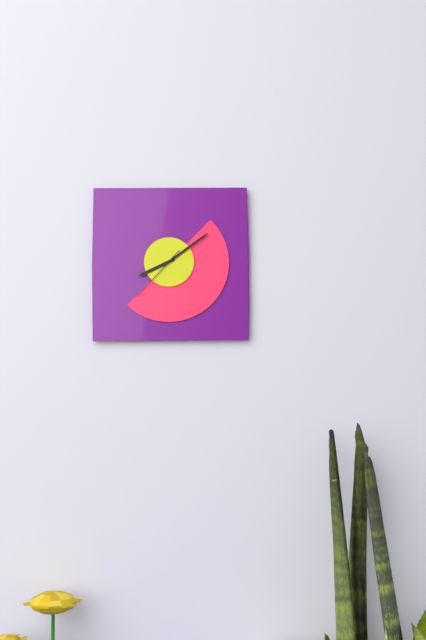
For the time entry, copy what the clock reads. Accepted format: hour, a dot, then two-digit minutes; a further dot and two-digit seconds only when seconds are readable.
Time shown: 8.09.37
